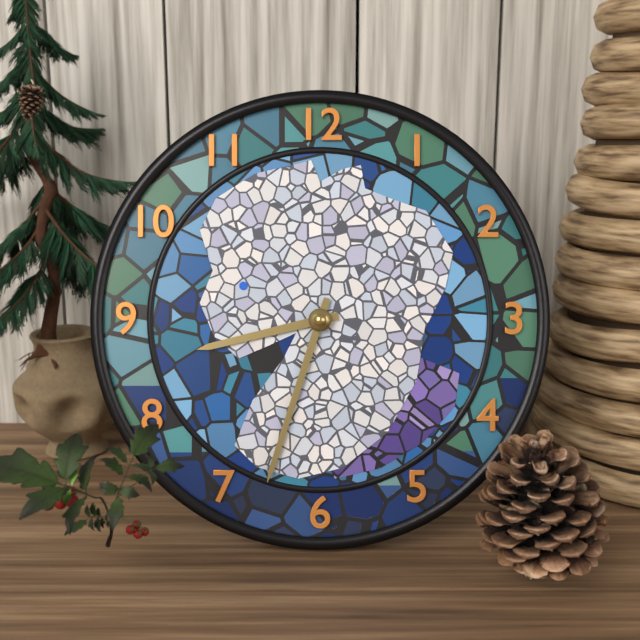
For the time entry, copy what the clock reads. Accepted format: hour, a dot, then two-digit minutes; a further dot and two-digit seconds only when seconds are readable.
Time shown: 8.33
